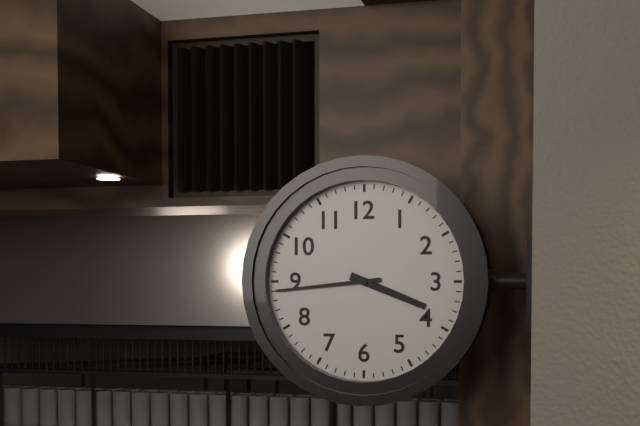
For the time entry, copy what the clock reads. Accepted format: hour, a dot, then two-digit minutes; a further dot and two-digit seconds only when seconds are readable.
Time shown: 3.44
